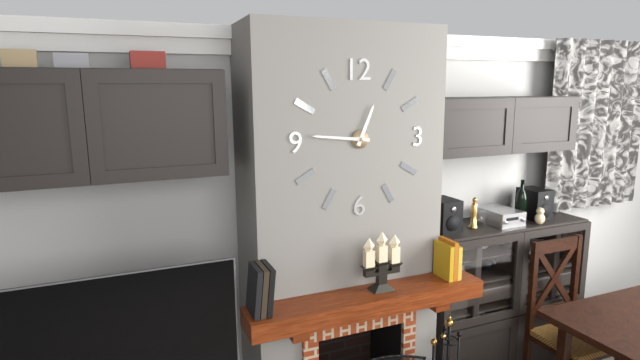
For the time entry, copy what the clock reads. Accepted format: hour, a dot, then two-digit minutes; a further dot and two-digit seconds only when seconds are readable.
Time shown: 12.46
